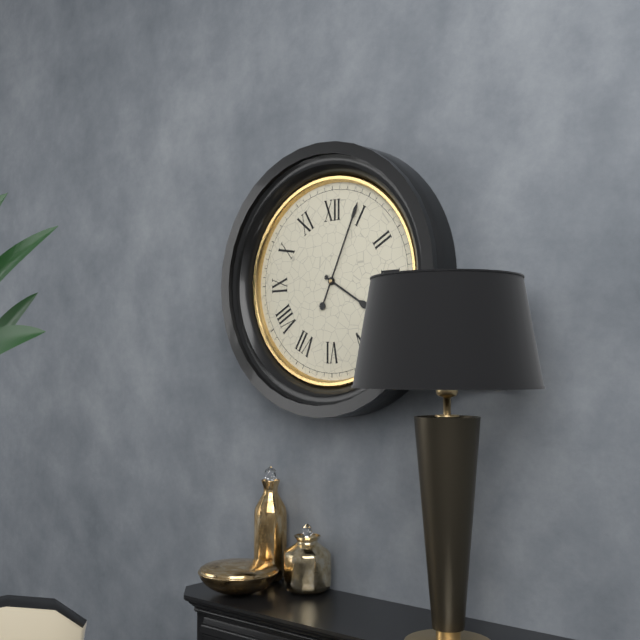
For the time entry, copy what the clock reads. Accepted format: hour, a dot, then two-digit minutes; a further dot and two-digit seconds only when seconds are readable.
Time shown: 4.04
